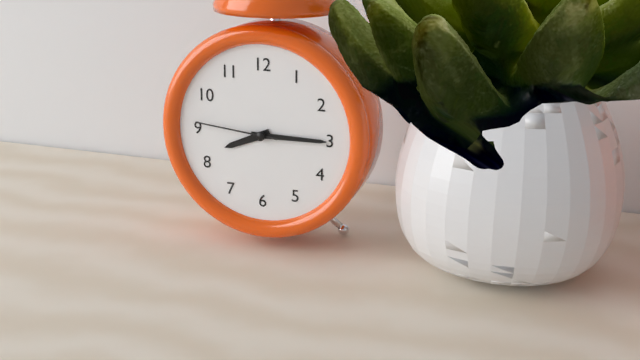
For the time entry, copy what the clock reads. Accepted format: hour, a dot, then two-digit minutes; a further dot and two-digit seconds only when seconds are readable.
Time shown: 8.15.46
